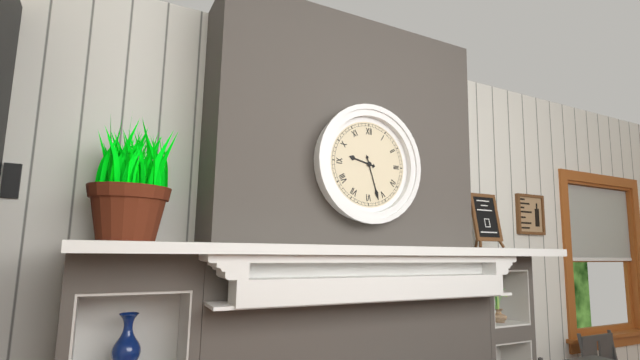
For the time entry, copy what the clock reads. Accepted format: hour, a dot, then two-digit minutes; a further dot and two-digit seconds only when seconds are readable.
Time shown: 9.27
